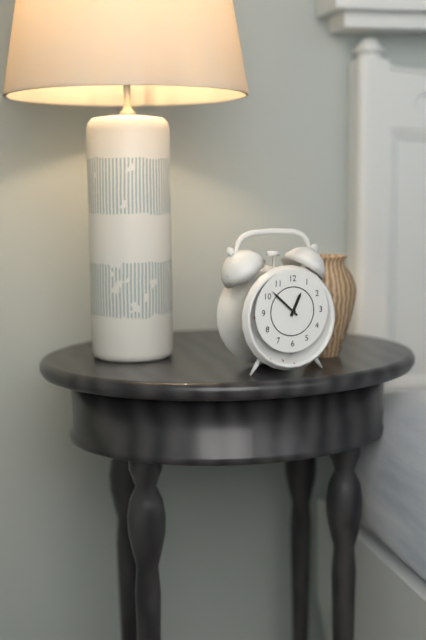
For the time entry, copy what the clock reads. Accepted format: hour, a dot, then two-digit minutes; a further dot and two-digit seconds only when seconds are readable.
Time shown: 12.52
